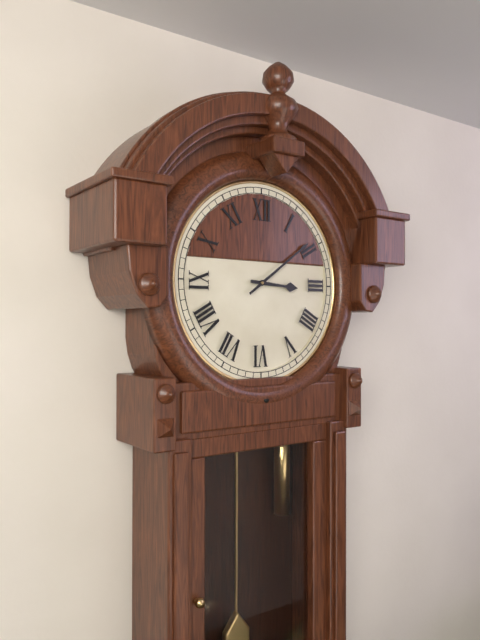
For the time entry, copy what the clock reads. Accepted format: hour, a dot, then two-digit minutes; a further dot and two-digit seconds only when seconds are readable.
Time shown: 3.09
